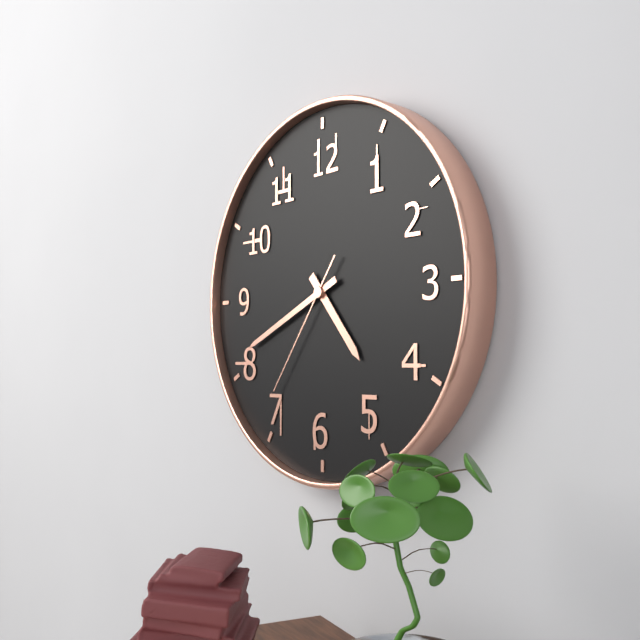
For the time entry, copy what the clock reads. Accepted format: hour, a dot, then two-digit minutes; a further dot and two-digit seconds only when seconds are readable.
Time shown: 4.41.36
